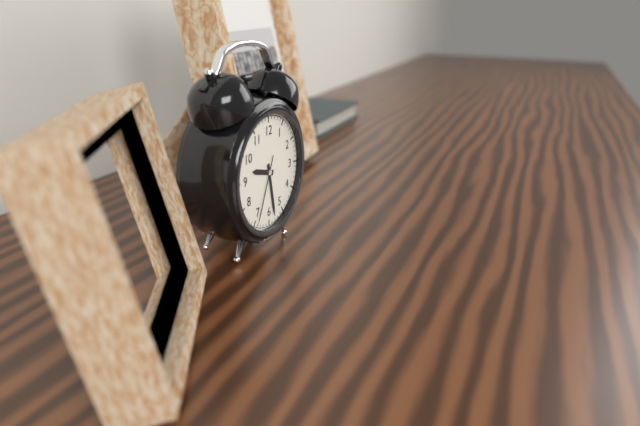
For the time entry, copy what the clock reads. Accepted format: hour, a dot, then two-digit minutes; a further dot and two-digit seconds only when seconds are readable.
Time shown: 9.28.34
